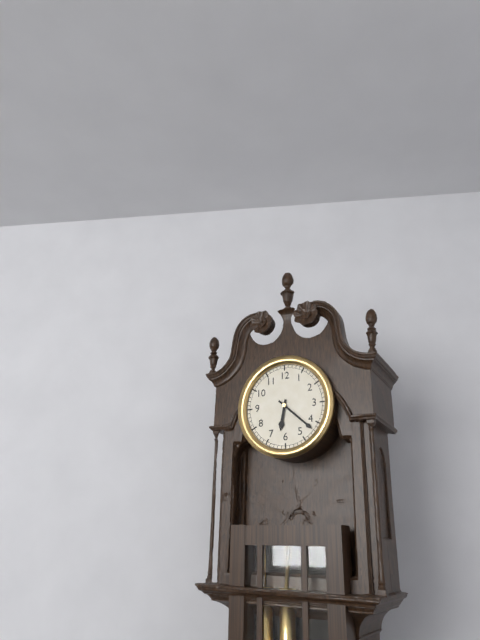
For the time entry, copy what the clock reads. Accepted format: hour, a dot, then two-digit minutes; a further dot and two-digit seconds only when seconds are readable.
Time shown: 6.22
